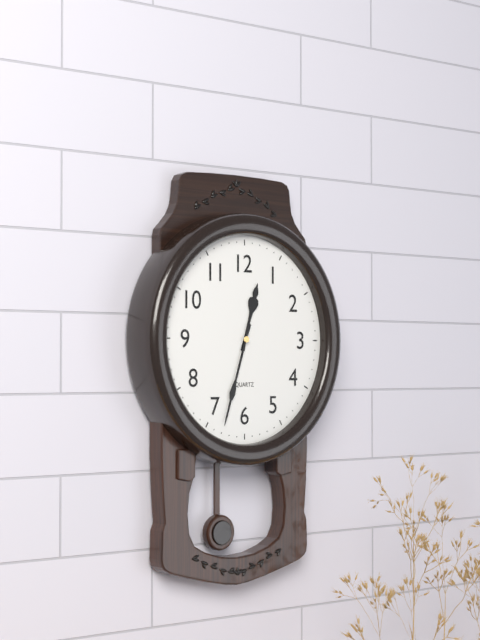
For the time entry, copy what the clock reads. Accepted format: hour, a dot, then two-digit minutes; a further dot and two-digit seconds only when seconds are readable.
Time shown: 12.33
